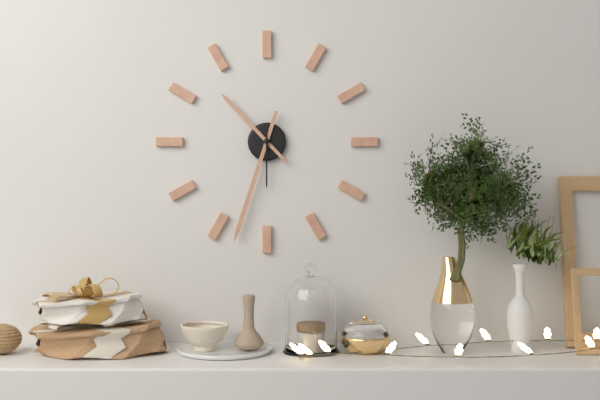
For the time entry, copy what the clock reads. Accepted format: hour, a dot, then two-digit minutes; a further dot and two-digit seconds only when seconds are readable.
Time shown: 10.33.30
